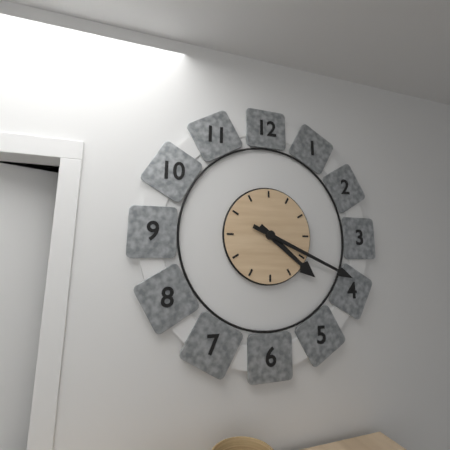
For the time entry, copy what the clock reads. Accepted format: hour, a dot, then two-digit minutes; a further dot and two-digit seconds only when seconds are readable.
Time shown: 4.19
